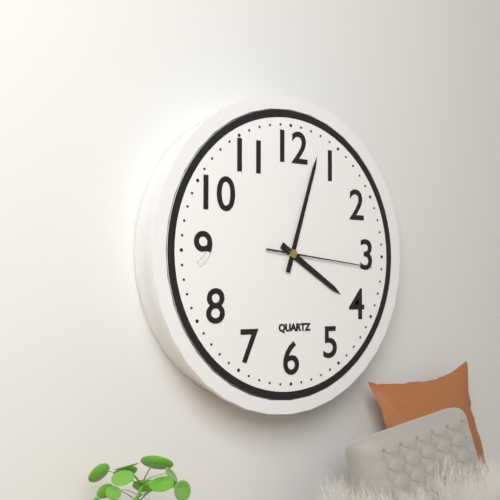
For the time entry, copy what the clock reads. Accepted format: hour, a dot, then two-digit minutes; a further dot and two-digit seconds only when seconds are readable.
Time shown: 4.03.16
